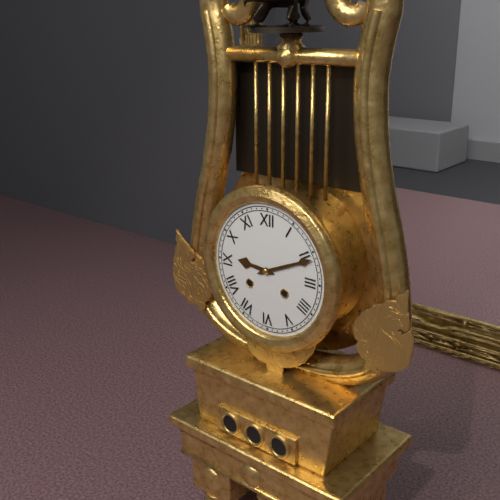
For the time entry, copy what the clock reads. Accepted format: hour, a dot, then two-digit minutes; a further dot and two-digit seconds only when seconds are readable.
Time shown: 9.11
